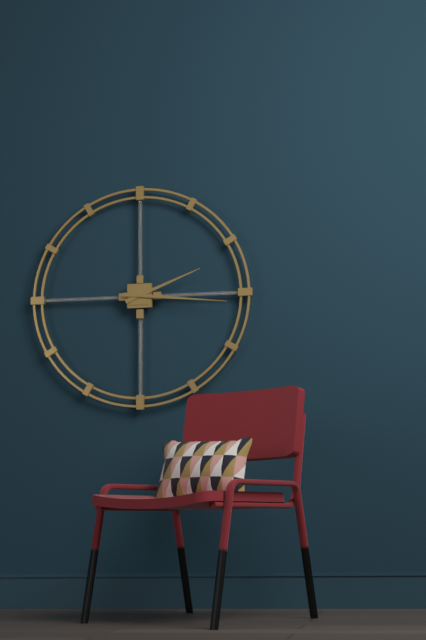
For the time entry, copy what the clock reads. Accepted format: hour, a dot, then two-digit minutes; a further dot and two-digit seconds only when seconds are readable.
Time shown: 2.16
